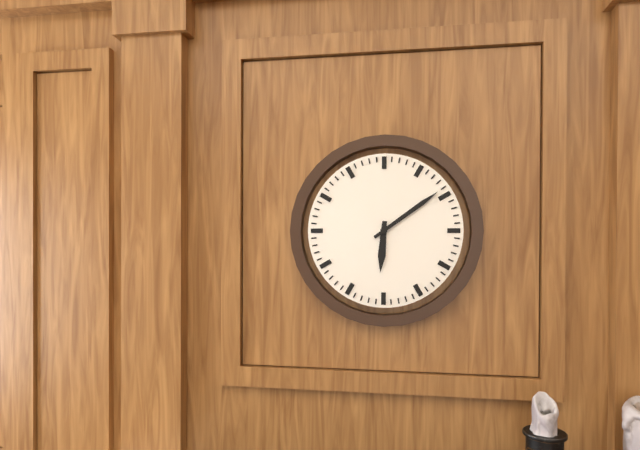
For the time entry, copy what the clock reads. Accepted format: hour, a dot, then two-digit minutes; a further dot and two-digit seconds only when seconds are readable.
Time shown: 6.09
